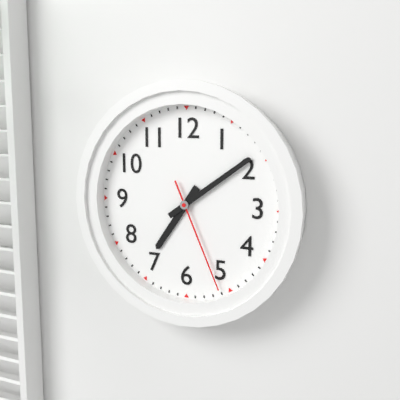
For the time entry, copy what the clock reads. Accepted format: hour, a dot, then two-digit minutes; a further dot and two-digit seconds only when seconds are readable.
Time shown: 7.09.26
